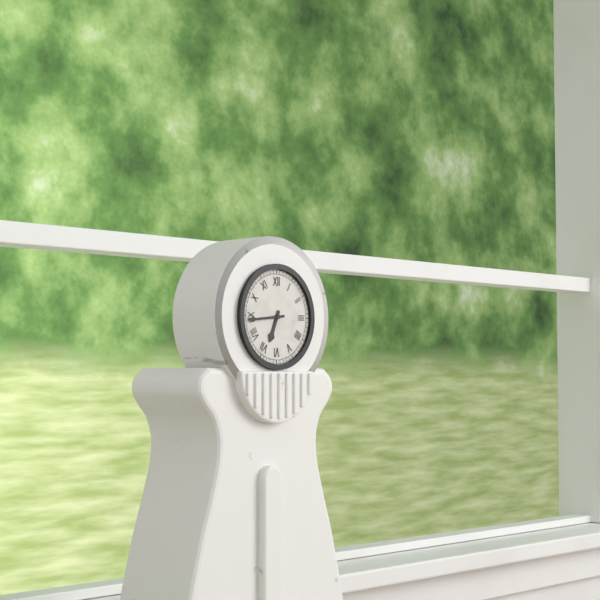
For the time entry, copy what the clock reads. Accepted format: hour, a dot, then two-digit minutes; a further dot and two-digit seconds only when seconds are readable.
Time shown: 6.44
